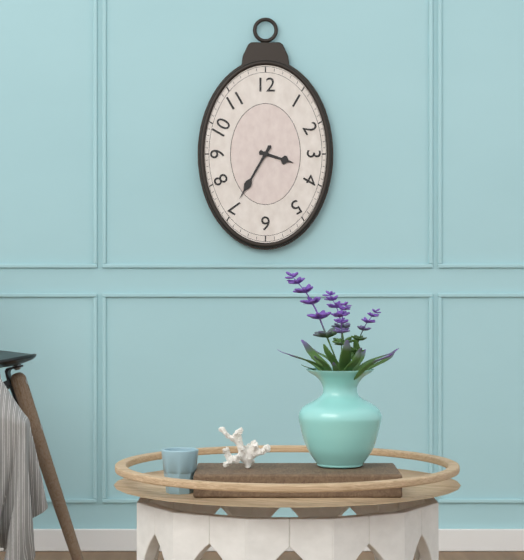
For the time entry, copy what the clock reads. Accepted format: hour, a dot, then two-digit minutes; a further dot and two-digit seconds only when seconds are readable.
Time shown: 3.35
